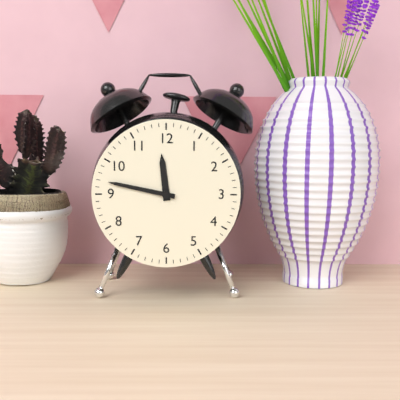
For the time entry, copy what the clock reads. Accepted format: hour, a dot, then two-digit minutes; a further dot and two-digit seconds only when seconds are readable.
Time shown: 11.47
